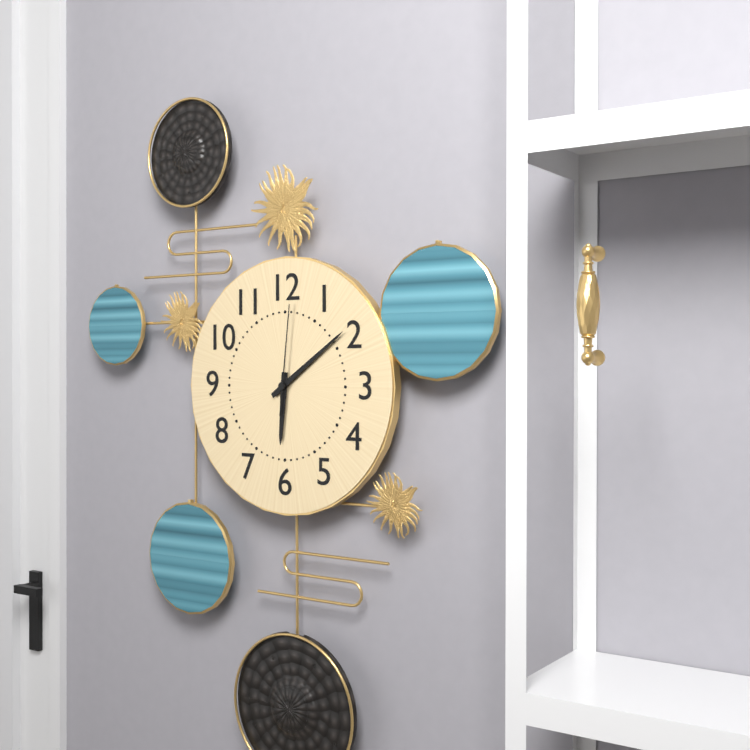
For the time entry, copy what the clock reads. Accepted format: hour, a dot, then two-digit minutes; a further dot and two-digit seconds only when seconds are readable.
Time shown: 6.09.01
